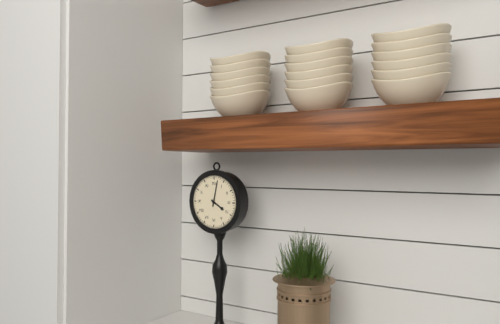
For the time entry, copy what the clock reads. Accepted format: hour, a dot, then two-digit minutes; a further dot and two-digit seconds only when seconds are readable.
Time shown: 4.02
